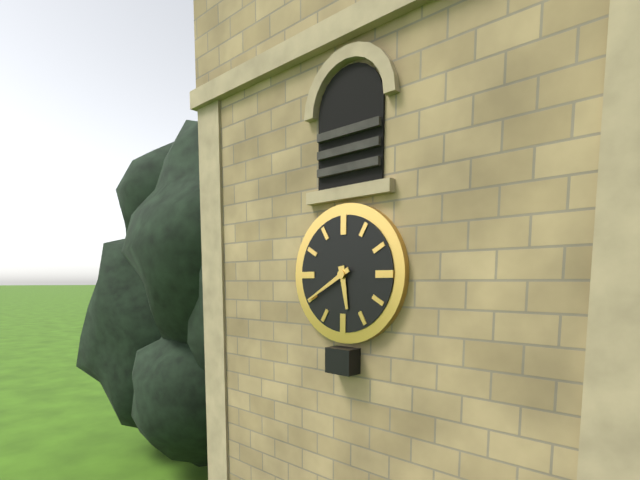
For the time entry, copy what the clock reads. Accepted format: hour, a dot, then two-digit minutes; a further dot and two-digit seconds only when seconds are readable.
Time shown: 5.40
